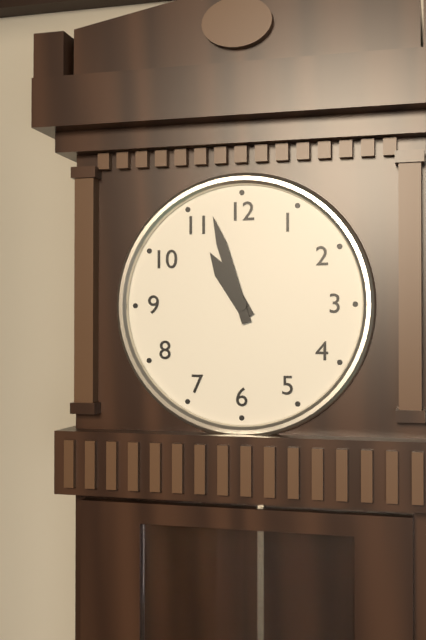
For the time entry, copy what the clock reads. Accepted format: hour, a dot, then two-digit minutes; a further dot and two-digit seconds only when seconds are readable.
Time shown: 10.57
